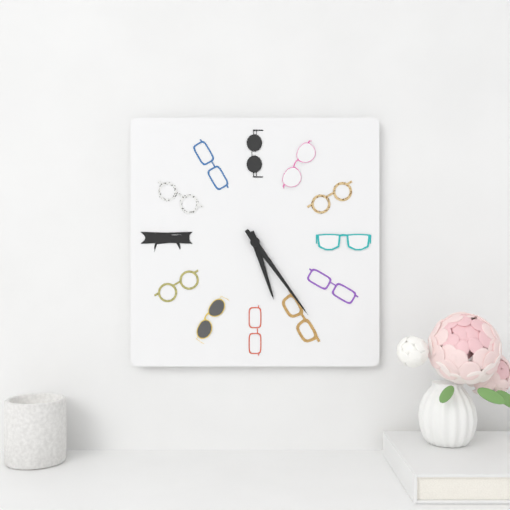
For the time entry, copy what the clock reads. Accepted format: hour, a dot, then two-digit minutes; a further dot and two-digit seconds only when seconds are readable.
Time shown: 5.24
